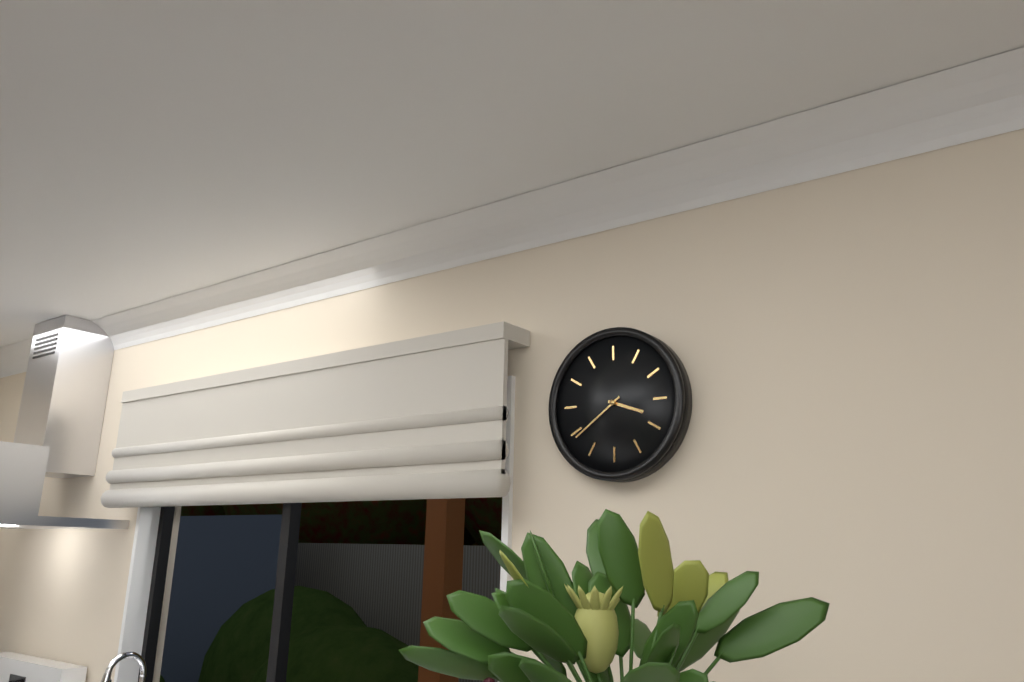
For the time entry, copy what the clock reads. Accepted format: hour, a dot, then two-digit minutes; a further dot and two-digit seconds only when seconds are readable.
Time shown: 3.39
